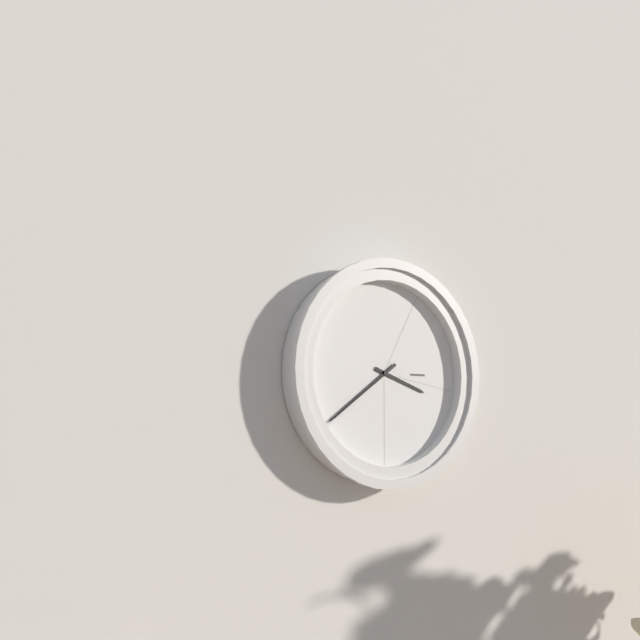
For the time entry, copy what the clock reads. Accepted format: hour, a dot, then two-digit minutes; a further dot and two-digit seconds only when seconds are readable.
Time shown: 3.39
